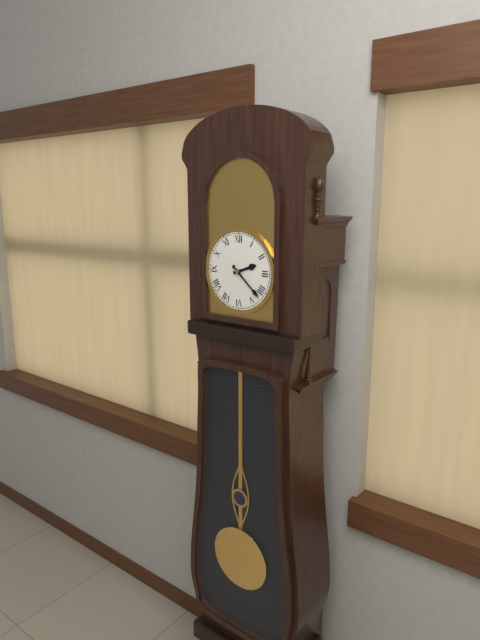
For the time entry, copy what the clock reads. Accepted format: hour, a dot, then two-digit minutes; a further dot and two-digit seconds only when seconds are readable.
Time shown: 2.22
